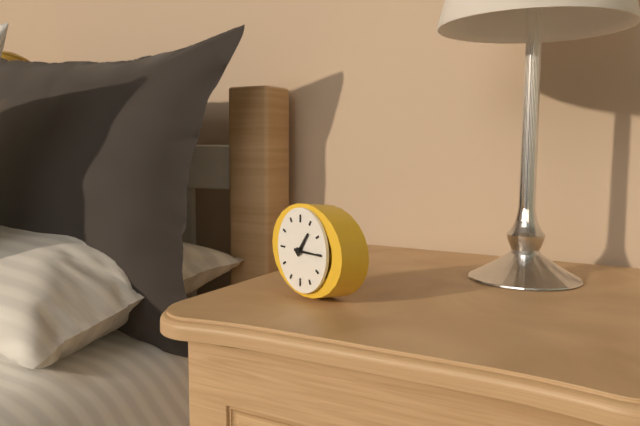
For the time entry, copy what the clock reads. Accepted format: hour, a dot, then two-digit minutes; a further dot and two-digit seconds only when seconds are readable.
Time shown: 1.15
